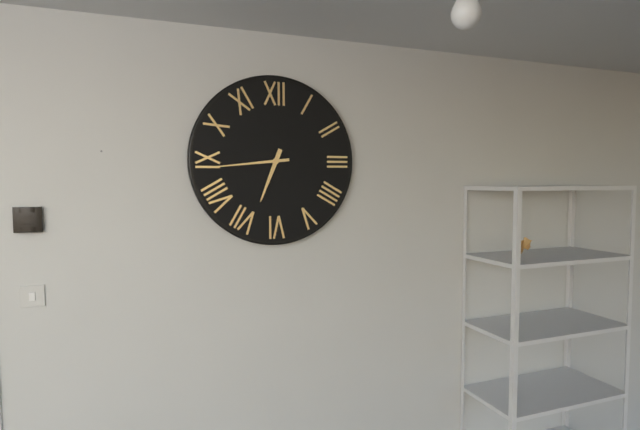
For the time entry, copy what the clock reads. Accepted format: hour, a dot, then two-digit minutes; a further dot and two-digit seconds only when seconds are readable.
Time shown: 6.44
